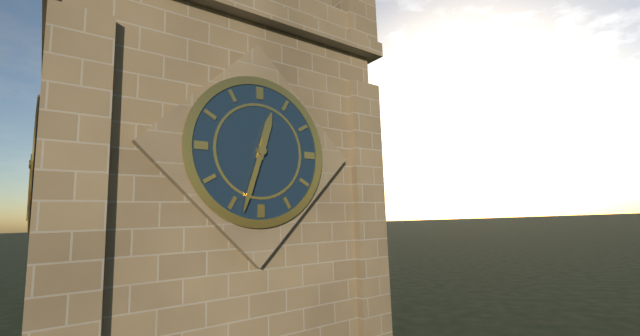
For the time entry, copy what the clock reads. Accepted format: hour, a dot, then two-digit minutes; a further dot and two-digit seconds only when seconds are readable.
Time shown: 12.33
